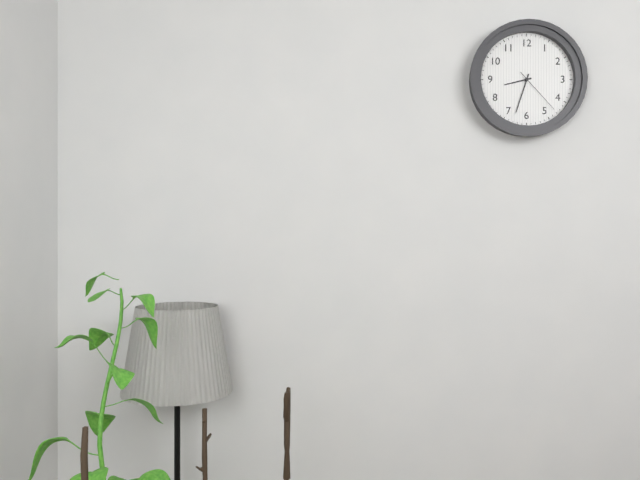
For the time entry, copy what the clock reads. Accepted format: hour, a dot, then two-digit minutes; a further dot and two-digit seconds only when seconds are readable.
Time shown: 8.33.23
